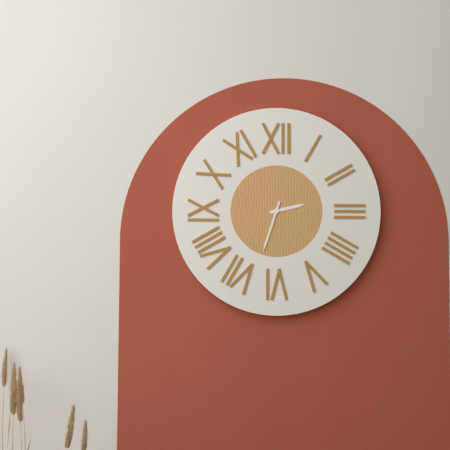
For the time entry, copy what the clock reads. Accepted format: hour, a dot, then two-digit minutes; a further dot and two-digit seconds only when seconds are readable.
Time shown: 2.33
